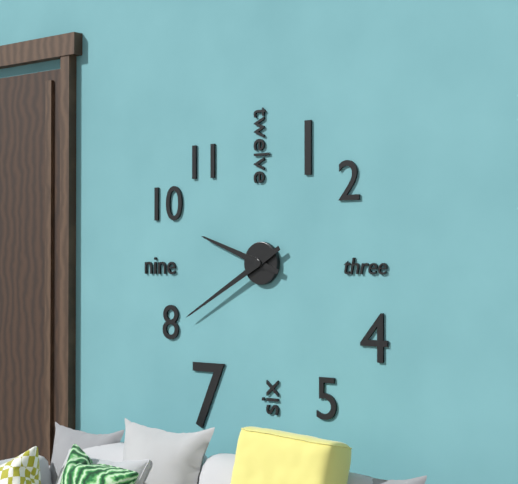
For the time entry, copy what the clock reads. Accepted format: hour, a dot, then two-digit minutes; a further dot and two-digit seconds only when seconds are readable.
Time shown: 9.40
